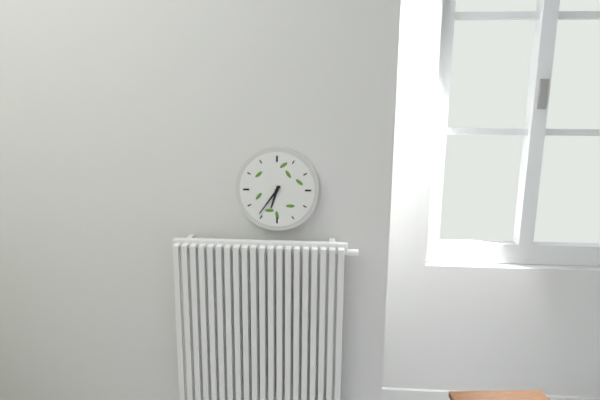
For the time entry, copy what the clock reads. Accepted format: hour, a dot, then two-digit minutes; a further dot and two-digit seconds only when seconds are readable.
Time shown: 6.36
